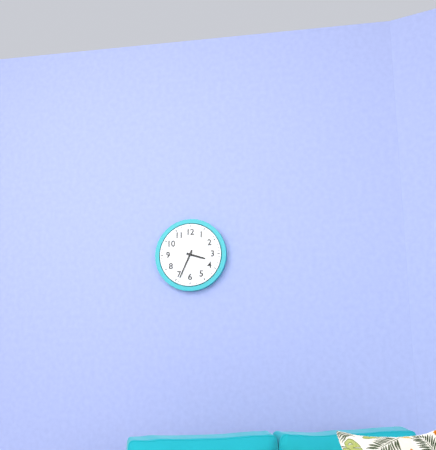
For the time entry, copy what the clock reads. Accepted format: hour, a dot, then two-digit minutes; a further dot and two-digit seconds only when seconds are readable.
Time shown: 3.34
